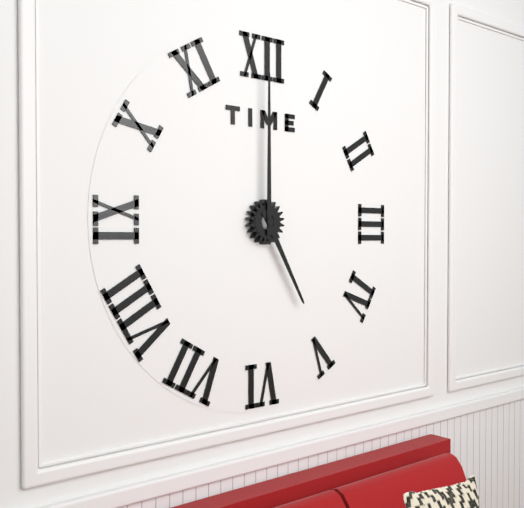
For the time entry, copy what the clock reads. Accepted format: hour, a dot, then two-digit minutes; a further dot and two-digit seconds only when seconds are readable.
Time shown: 5.00
